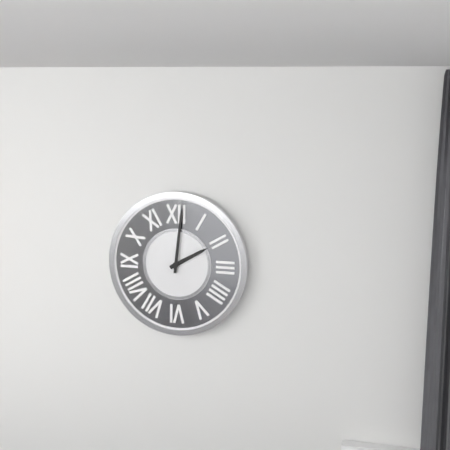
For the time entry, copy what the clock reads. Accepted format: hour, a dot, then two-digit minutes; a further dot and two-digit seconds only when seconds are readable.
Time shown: 2.01
